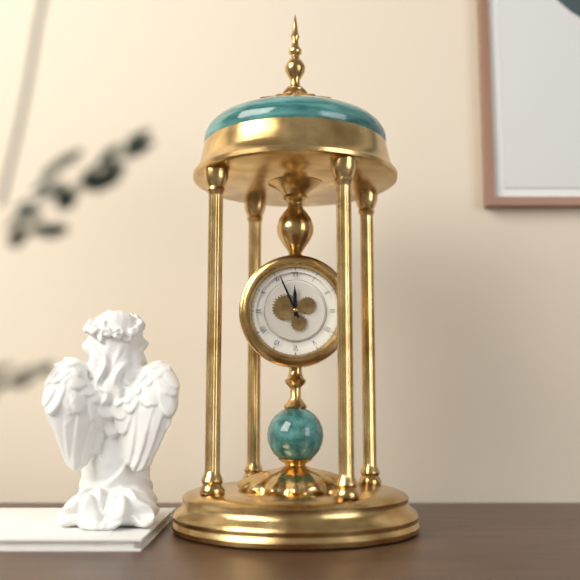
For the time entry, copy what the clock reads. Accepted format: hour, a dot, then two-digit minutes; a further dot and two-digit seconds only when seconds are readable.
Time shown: 11.56
